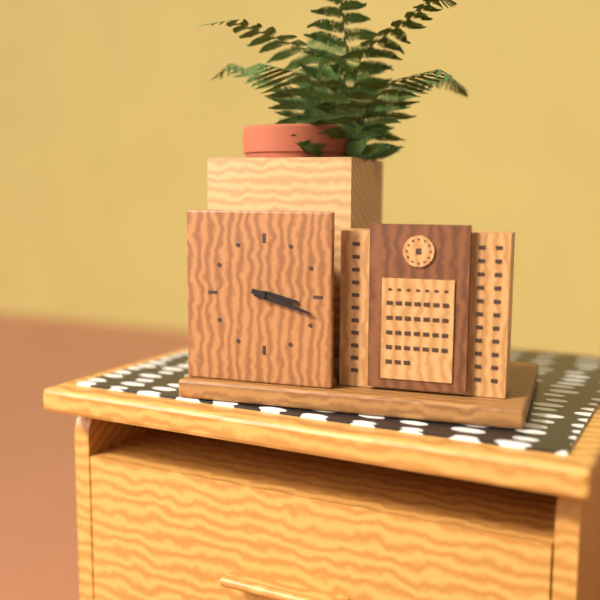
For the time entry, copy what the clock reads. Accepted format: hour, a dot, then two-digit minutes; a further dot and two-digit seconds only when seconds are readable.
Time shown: 3.18
